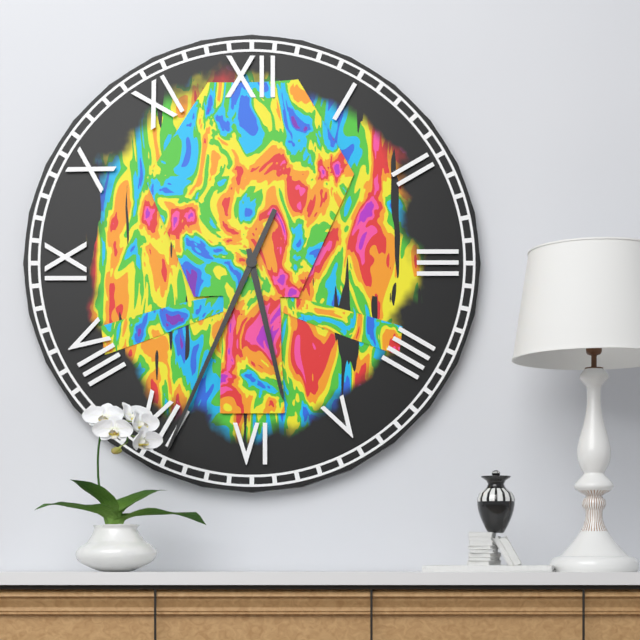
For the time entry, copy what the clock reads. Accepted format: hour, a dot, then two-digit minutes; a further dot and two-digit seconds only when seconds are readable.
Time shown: 5.34
